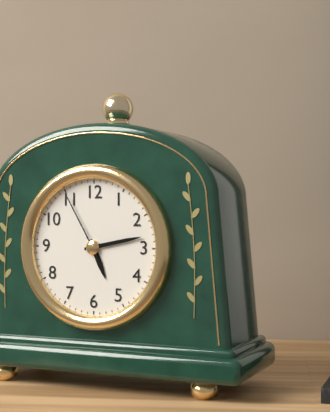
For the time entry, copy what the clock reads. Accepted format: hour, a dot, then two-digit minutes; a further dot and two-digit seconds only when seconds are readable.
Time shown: 5.13.55
